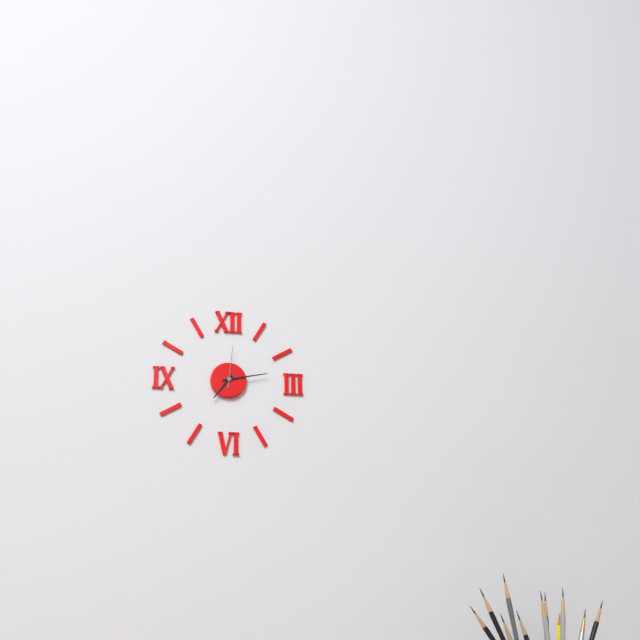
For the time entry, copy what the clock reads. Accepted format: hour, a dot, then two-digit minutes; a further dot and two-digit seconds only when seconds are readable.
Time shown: 7.13
